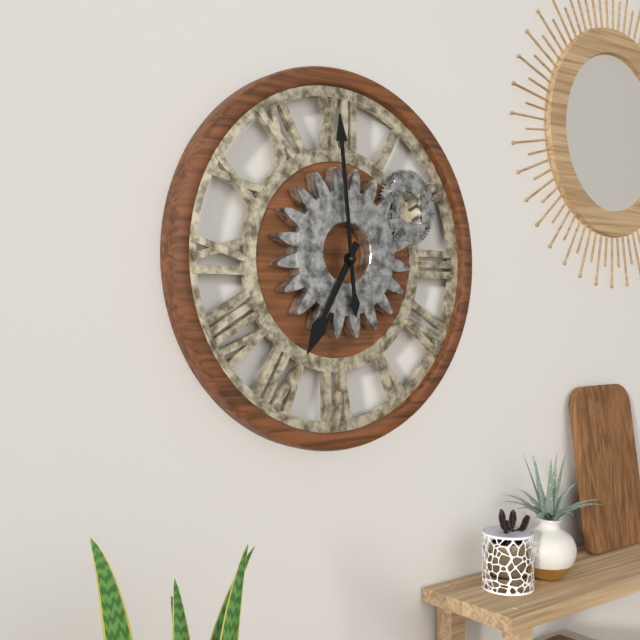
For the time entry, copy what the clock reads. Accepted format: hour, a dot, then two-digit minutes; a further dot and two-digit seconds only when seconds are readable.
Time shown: 6.59
